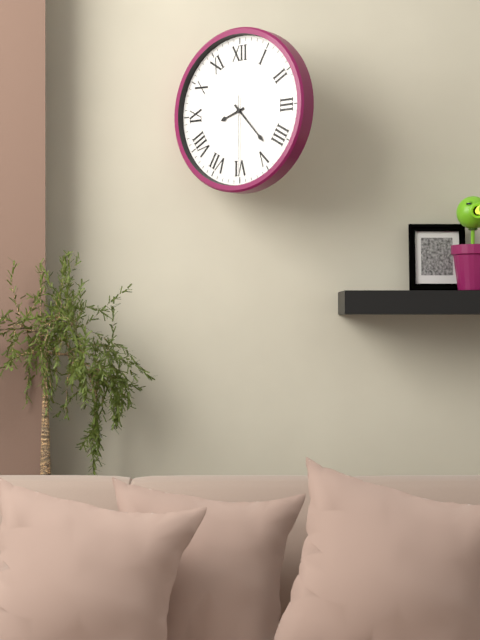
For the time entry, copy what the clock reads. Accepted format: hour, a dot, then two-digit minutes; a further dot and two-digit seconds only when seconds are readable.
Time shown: 8.23.30
